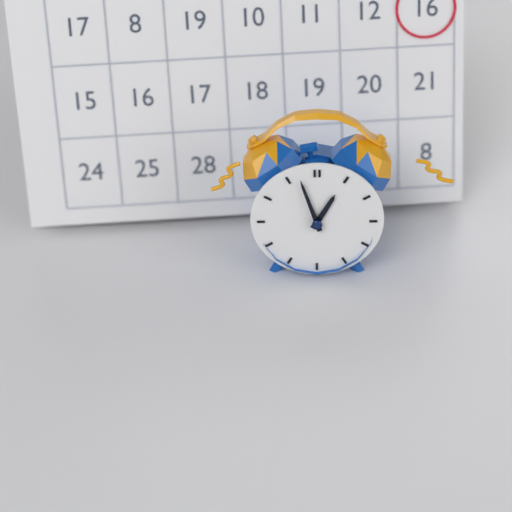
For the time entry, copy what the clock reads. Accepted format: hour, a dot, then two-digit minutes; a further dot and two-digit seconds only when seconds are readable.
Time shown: 12.57
